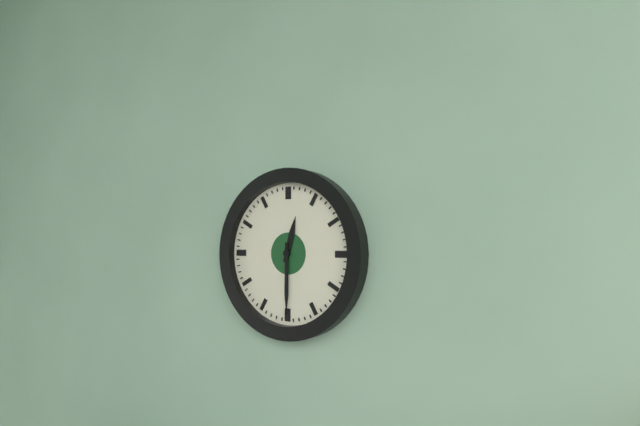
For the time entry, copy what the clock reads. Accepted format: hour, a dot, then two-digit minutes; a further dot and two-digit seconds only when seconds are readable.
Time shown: 12.30
